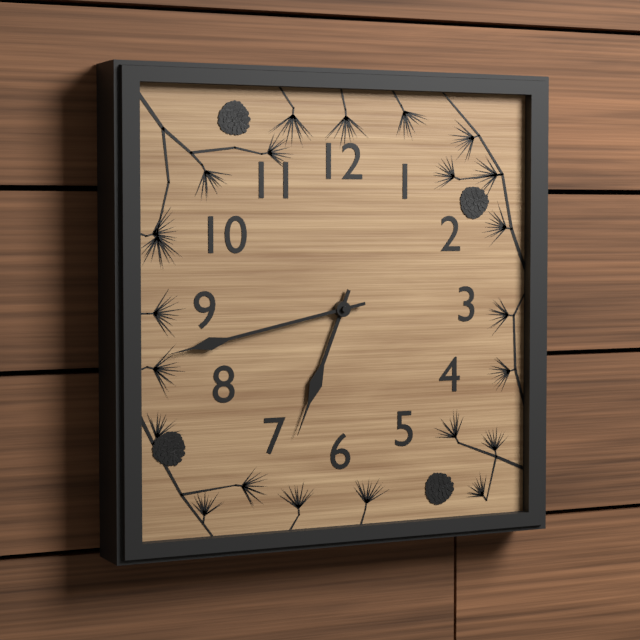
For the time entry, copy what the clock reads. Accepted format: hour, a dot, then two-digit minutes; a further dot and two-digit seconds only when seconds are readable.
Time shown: 6.43
